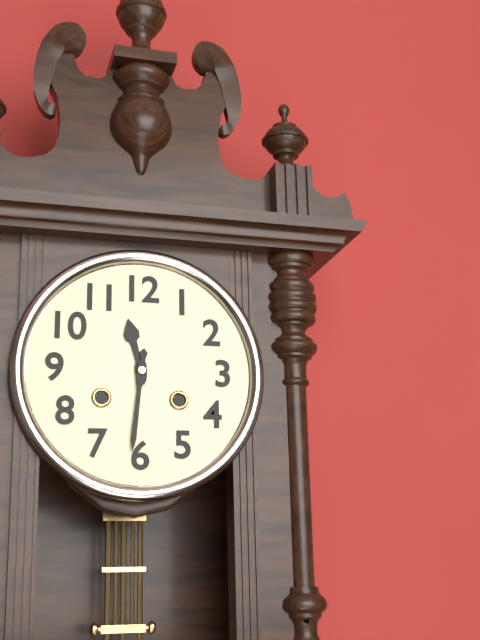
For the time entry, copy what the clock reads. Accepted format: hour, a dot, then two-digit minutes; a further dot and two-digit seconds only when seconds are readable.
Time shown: 11.31
